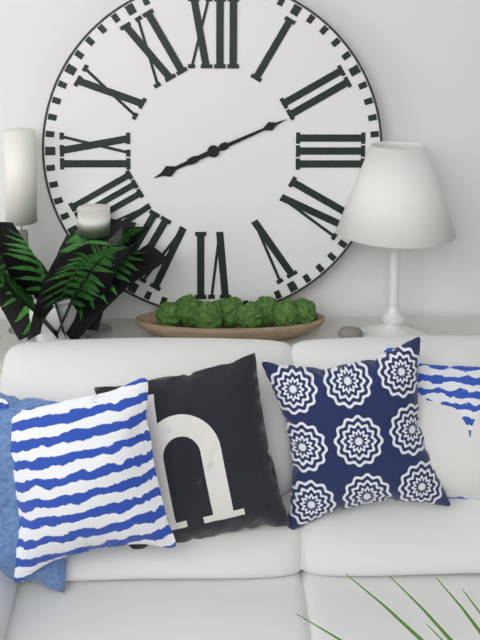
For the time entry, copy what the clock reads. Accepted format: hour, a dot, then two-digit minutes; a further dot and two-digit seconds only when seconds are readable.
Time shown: 8.11
